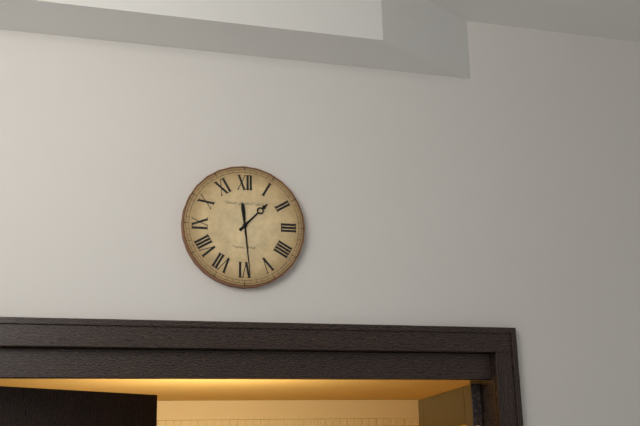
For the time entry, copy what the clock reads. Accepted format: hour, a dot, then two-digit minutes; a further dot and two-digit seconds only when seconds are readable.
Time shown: 1.29
